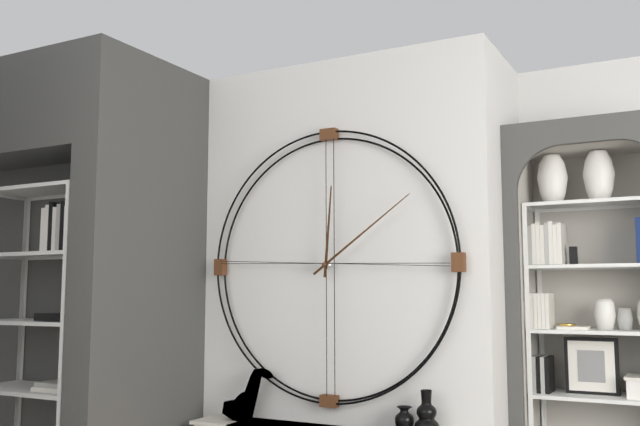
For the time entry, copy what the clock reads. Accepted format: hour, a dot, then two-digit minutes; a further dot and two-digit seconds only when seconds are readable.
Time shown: 12.09
